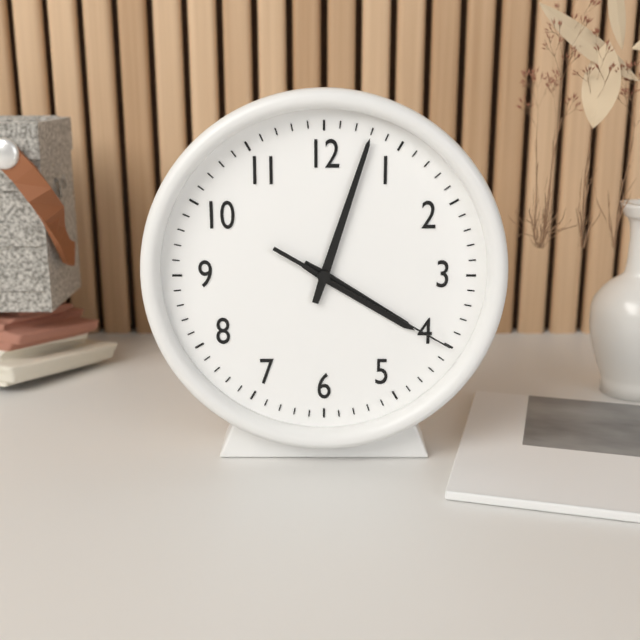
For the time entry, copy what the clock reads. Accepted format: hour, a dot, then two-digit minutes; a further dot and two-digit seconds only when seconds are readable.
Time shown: 4.03.20
